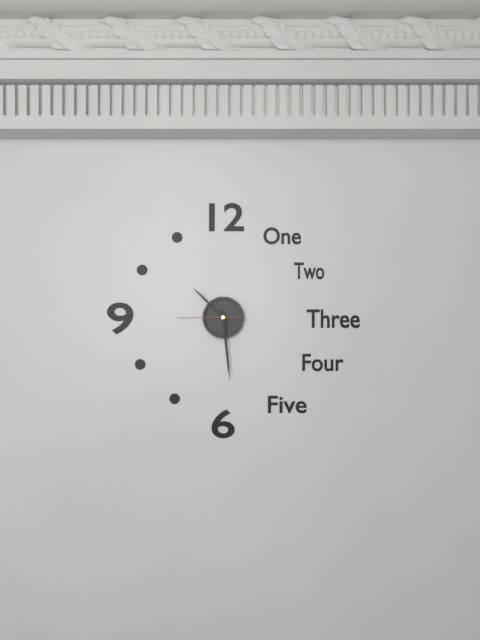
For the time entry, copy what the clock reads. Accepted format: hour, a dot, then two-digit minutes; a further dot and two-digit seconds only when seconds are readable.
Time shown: 10.29.45
